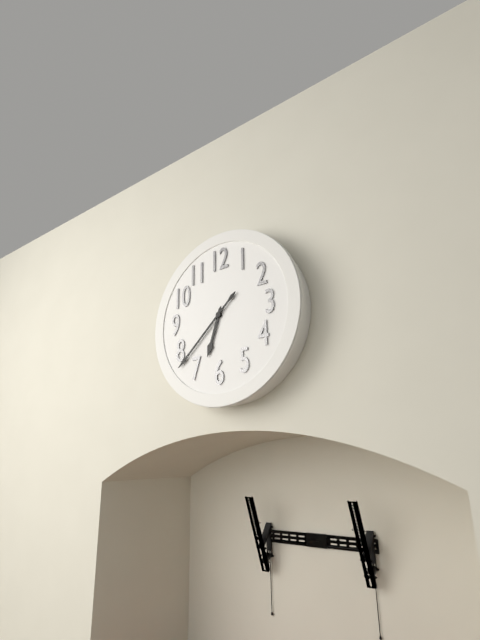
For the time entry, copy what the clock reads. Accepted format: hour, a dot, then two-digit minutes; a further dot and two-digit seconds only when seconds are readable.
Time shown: 6.38
